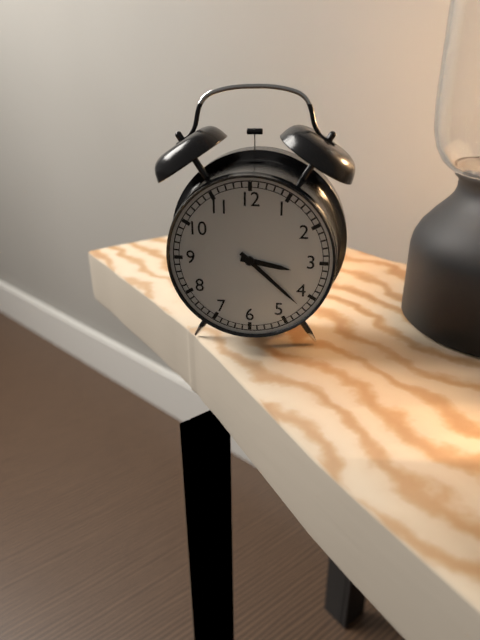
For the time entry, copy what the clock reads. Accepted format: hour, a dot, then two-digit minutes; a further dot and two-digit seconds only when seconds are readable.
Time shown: 3.22
